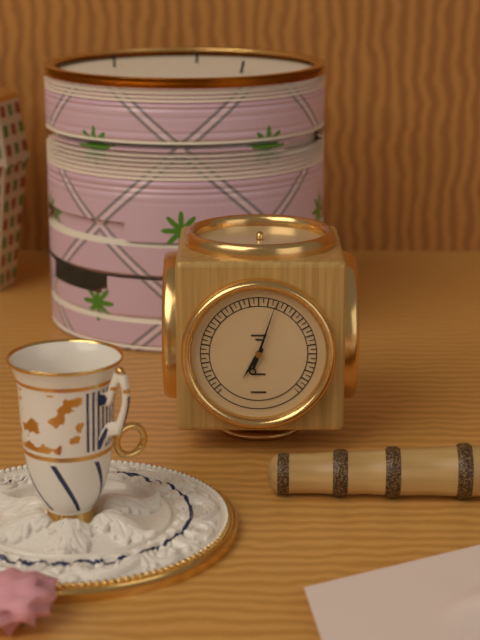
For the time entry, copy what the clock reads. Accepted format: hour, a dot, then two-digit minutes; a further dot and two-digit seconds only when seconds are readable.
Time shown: 7.03
